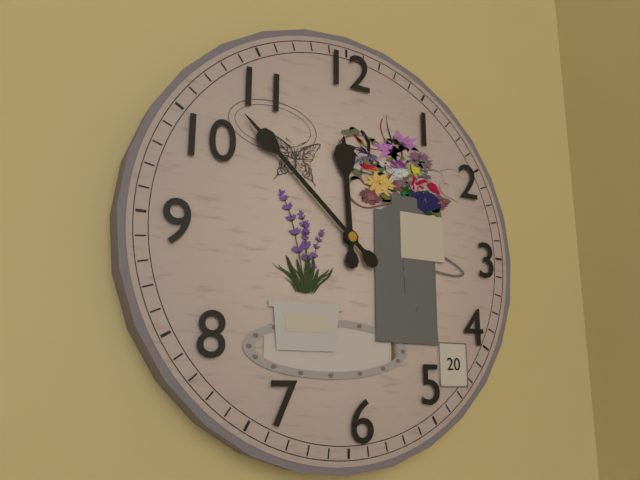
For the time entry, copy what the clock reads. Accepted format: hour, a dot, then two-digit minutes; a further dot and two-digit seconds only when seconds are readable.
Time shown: 11.52
